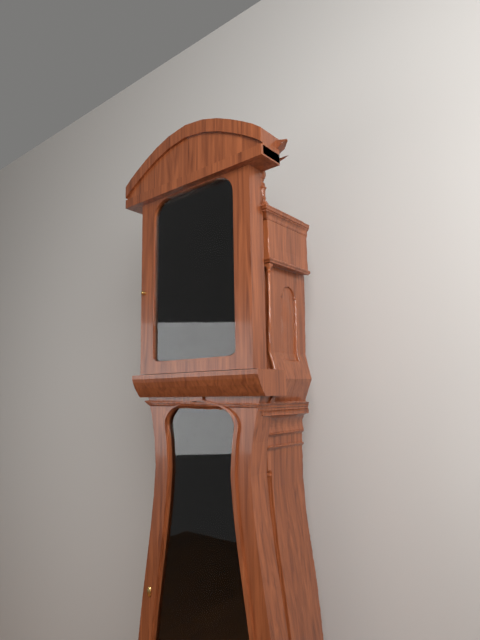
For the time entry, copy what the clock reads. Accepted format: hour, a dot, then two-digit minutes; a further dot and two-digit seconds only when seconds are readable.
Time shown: 10.01
